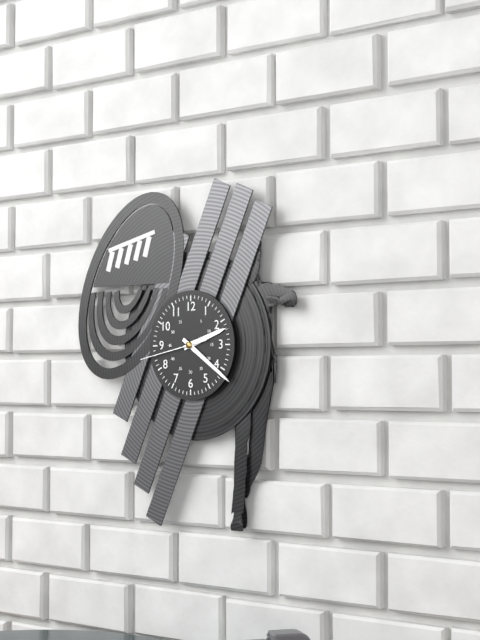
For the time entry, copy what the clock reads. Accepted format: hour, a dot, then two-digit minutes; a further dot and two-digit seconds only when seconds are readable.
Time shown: 2.21.43
